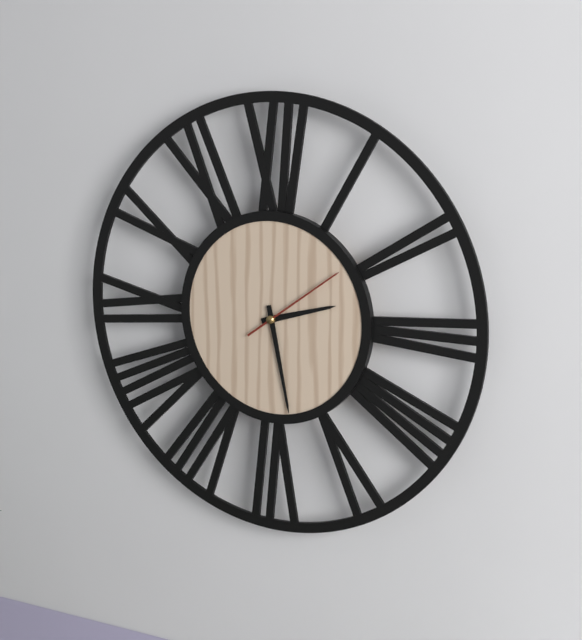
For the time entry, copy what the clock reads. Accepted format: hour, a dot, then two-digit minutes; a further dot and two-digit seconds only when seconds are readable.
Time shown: 2.28.09
